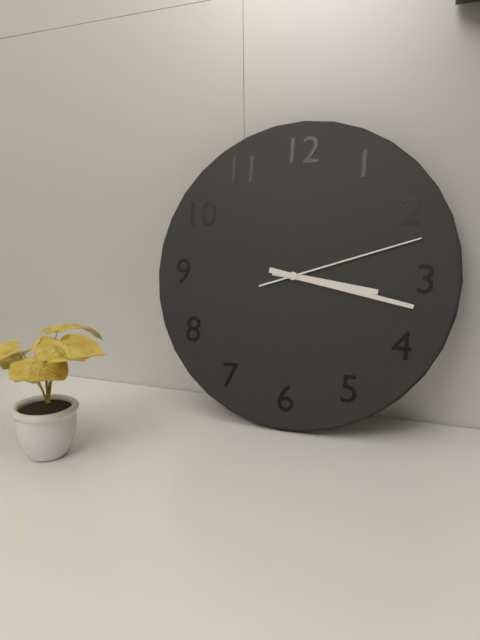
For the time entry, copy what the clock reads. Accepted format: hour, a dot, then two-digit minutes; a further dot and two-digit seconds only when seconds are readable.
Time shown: 3.17.12
